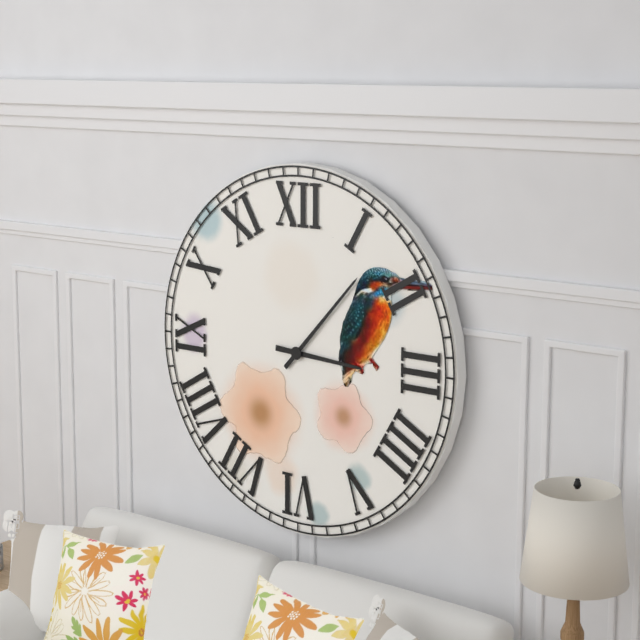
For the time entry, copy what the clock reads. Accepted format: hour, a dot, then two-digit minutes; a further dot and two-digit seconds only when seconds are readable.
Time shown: 3.07
